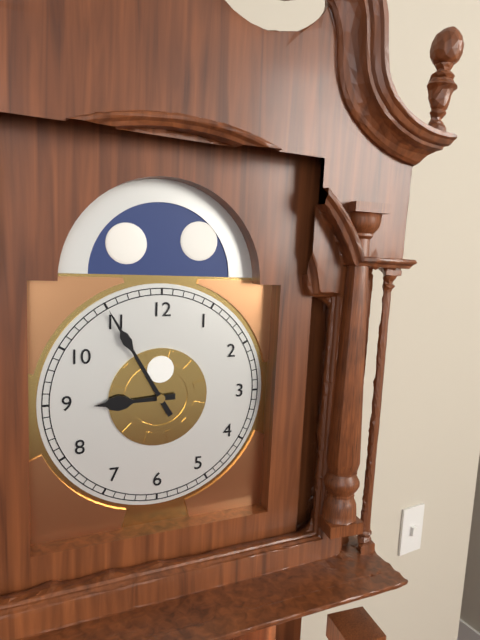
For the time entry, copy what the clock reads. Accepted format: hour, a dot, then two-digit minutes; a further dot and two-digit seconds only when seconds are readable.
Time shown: 8.55
